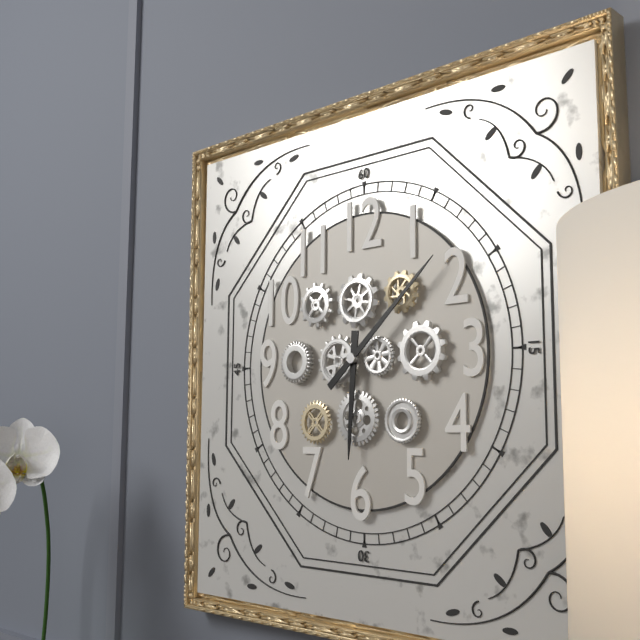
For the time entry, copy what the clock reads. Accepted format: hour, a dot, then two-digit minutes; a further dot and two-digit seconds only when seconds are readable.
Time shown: 6.08
